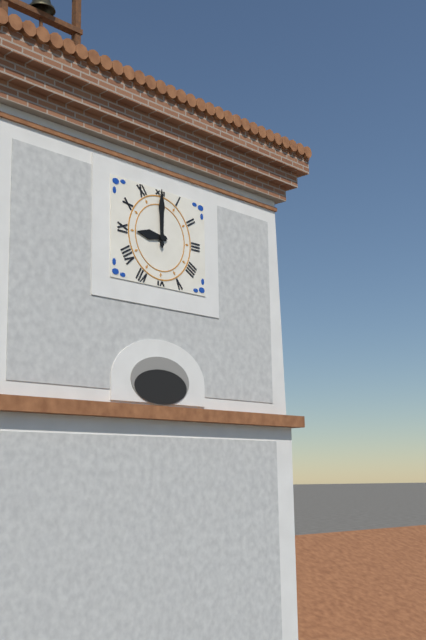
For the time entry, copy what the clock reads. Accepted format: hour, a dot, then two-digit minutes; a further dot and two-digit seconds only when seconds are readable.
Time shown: 9.00
